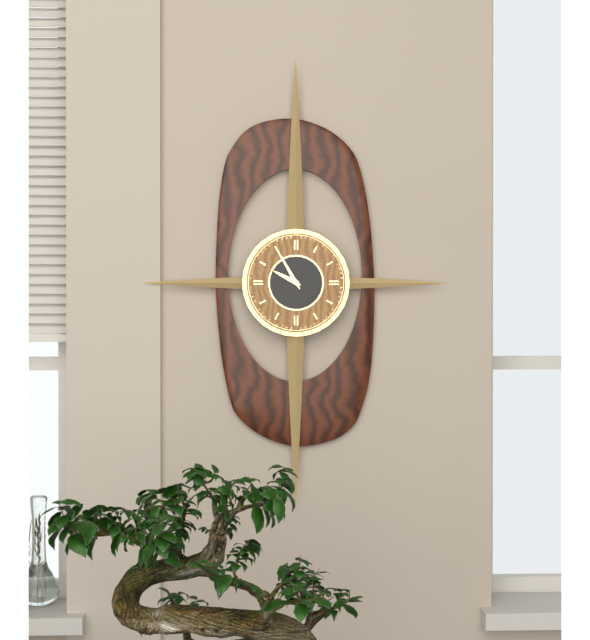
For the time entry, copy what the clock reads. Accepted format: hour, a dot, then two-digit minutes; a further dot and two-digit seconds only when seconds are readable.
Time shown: 9.55
